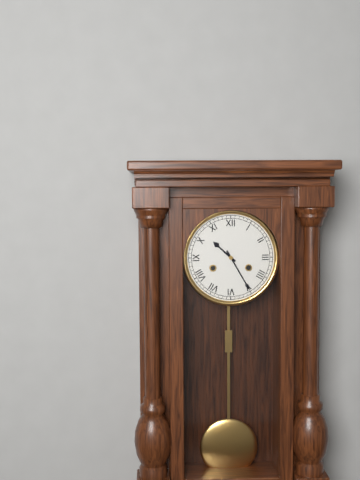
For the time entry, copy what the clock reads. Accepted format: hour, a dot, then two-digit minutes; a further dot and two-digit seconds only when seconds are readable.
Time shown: 10.25
